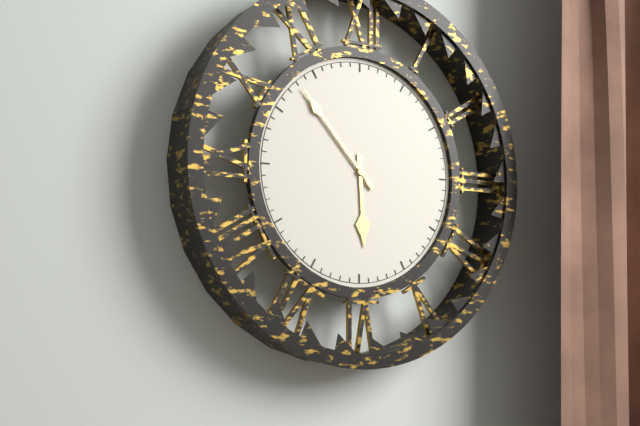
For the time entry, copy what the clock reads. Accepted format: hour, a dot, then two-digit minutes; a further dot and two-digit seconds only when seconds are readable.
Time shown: 5.53
